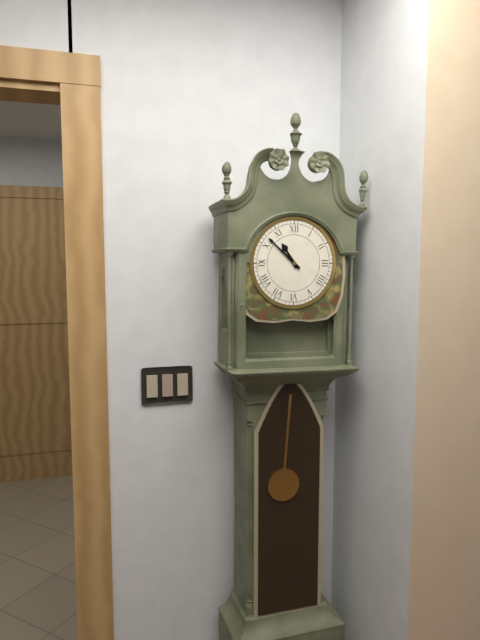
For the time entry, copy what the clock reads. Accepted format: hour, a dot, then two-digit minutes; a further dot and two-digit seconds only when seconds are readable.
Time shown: 10.52
